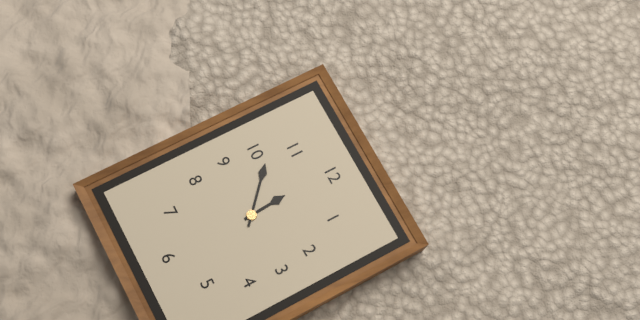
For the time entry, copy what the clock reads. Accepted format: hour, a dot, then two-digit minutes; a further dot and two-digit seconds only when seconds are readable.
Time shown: 11.52
